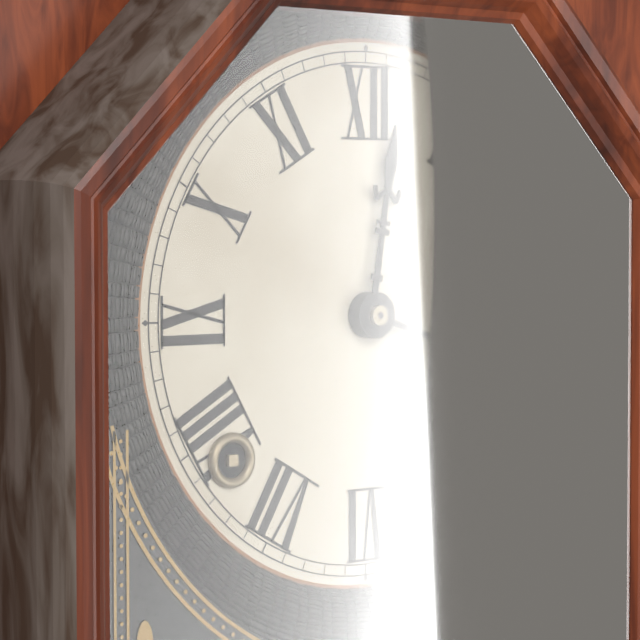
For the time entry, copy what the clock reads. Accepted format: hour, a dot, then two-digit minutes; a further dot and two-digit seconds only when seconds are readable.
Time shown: 12.18
